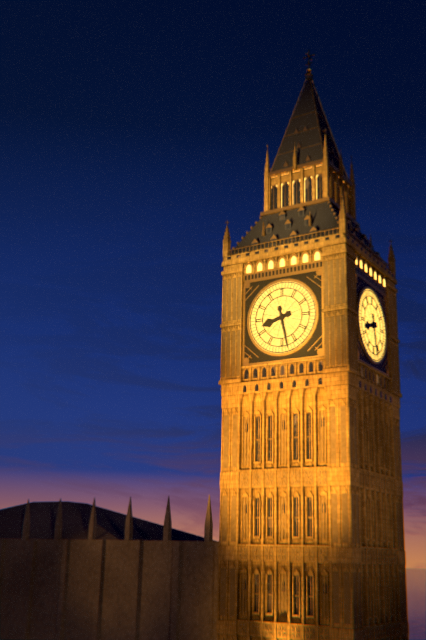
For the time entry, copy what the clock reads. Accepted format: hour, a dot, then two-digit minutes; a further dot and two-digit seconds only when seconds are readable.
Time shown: 8.28
